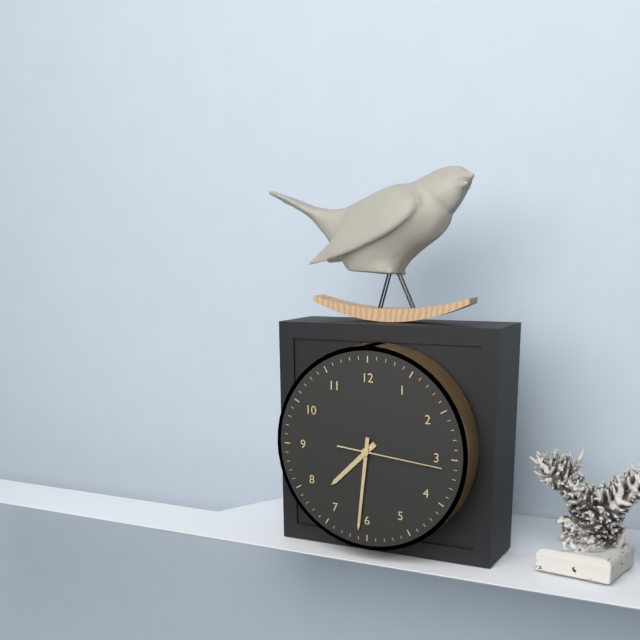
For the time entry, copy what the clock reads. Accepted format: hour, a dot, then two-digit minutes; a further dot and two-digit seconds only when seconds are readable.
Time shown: 7.31.16
